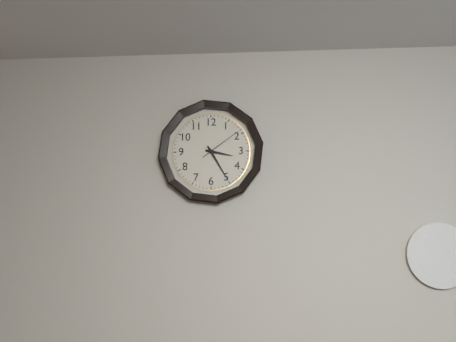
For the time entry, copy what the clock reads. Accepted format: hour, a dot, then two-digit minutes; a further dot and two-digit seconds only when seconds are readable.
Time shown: 3.25
